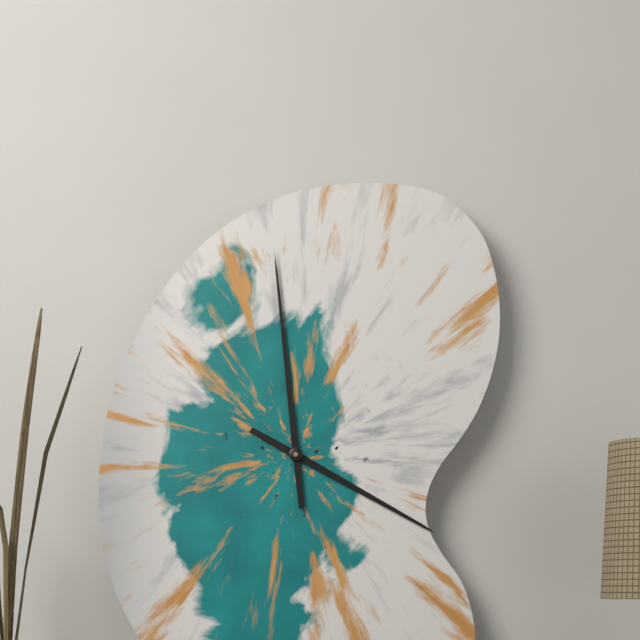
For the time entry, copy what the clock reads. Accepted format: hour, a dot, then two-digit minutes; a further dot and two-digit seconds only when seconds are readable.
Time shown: 3.59
